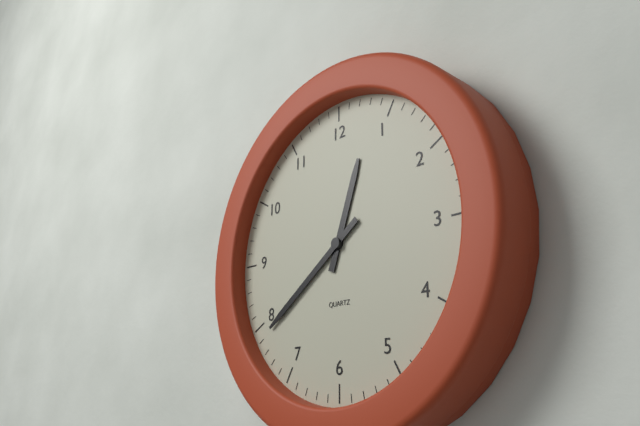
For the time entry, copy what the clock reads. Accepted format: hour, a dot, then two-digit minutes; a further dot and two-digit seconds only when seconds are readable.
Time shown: 12.39
